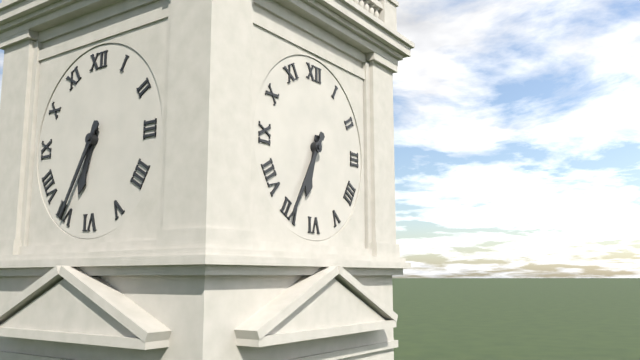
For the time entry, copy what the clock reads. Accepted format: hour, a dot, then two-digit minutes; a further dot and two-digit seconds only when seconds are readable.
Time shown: 6.35
